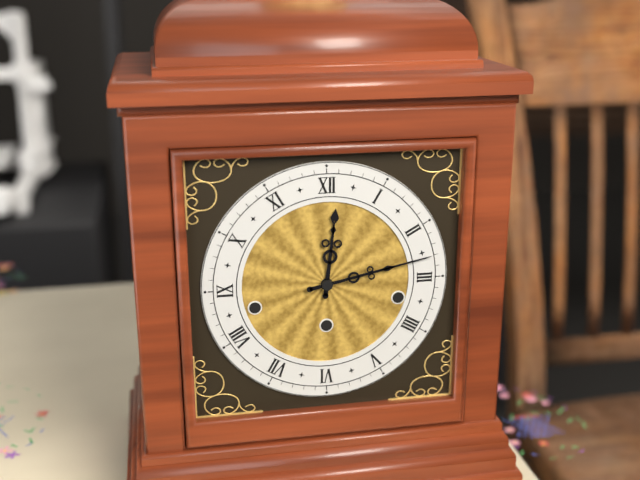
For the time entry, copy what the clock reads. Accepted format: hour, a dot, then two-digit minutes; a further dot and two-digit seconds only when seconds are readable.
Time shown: 12.13
